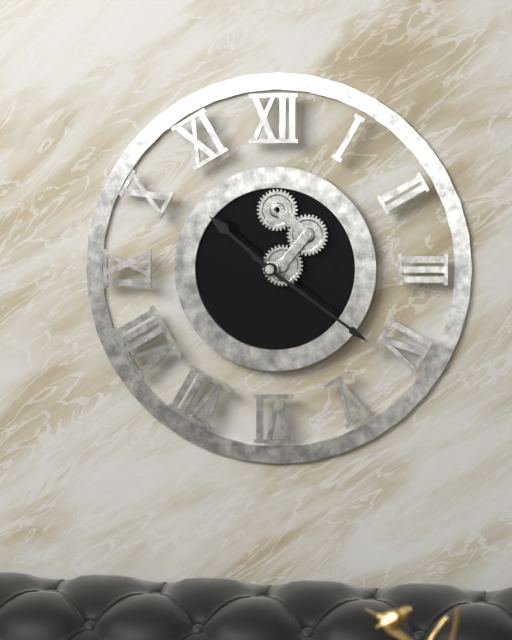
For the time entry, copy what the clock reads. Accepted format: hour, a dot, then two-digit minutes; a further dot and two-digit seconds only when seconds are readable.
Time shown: 10.21
